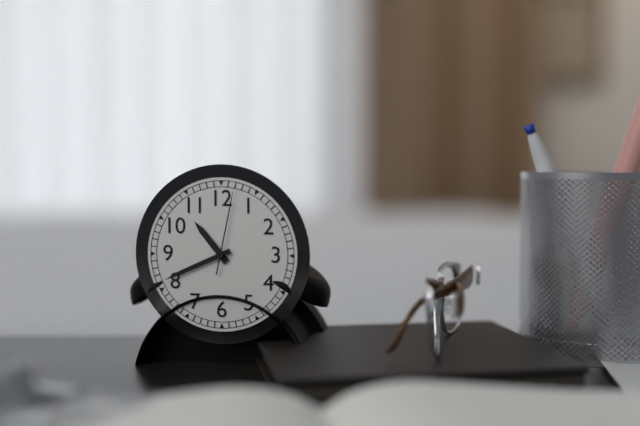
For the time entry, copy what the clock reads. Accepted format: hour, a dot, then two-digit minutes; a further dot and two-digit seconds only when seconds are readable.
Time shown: 10.41.02
